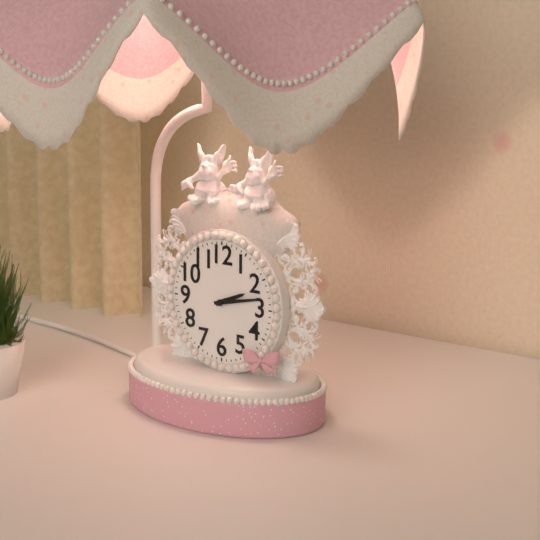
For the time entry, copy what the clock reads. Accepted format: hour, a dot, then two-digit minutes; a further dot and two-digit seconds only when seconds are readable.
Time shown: 2.13
